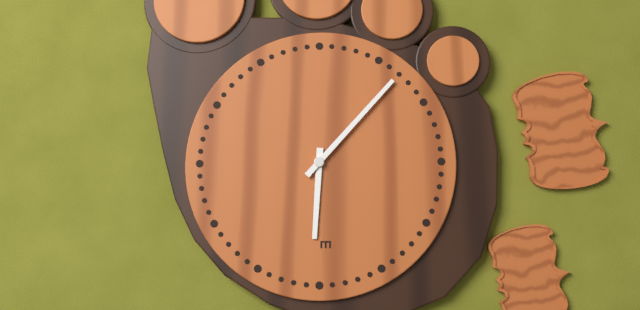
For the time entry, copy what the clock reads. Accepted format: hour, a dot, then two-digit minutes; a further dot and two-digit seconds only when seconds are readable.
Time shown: 6.07
